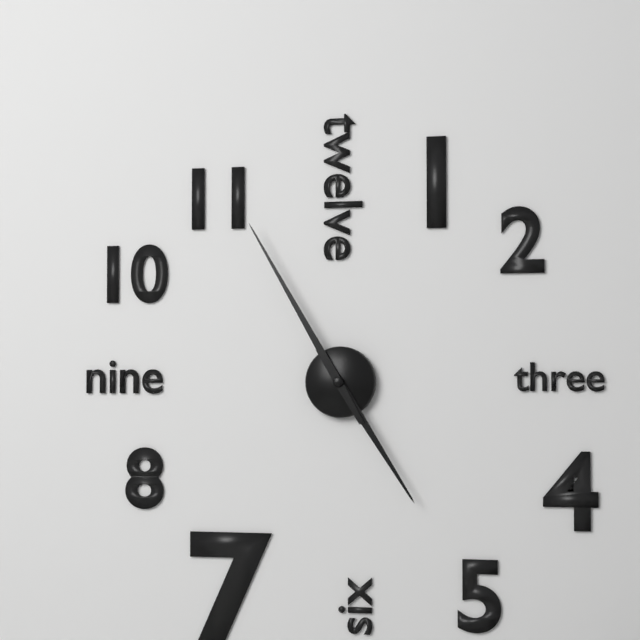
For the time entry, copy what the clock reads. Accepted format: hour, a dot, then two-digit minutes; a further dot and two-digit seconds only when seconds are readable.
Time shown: 4.55
